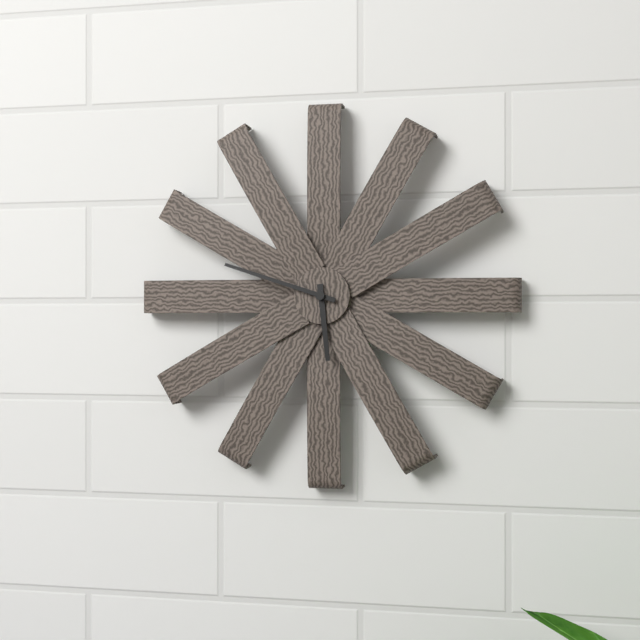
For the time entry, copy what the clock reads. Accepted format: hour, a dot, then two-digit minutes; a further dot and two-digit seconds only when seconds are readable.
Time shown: 5.48
